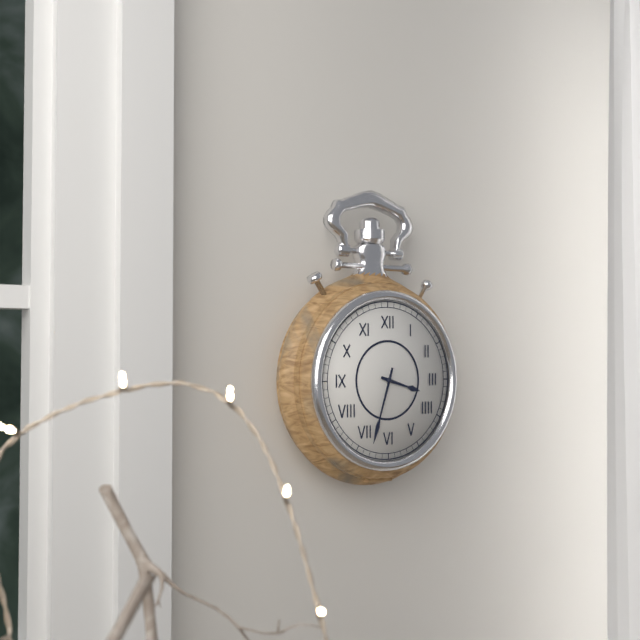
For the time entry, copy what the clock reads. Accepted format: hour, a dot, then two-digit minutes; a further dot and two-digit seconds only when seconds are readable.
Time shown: 3.33
